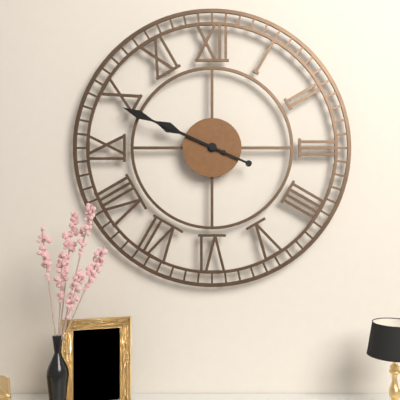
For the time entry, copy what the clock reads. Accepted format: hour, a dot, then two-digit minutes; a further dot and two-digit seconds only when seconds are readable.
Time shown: 9.49
